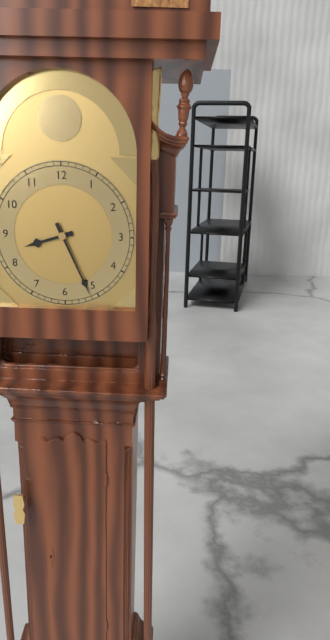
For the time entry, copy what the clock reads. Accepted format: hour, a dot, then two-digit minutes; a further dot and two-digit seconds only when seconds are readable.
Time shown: 8.26
